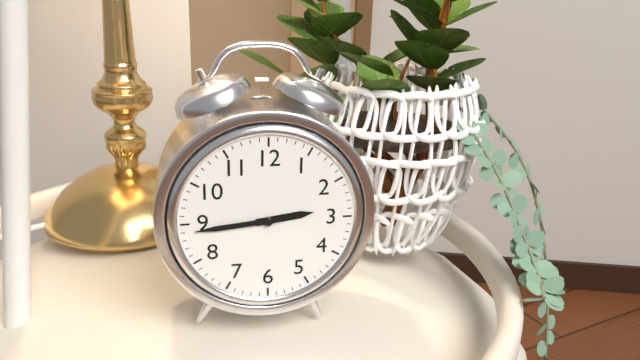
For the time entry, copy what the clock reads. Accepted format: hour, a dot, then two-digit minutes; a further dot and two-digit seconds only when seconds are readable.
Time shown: 2.44
